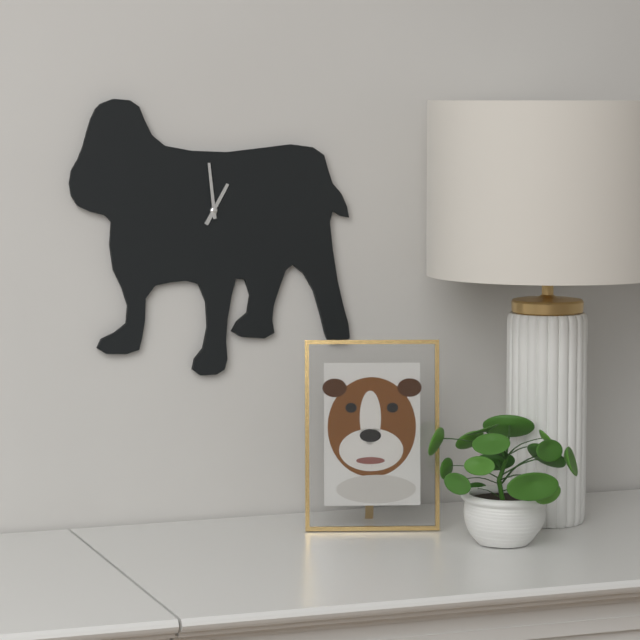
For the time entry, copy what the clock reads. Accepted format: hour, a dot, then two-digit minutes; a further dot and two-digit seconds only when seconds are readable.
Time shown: 12.59
